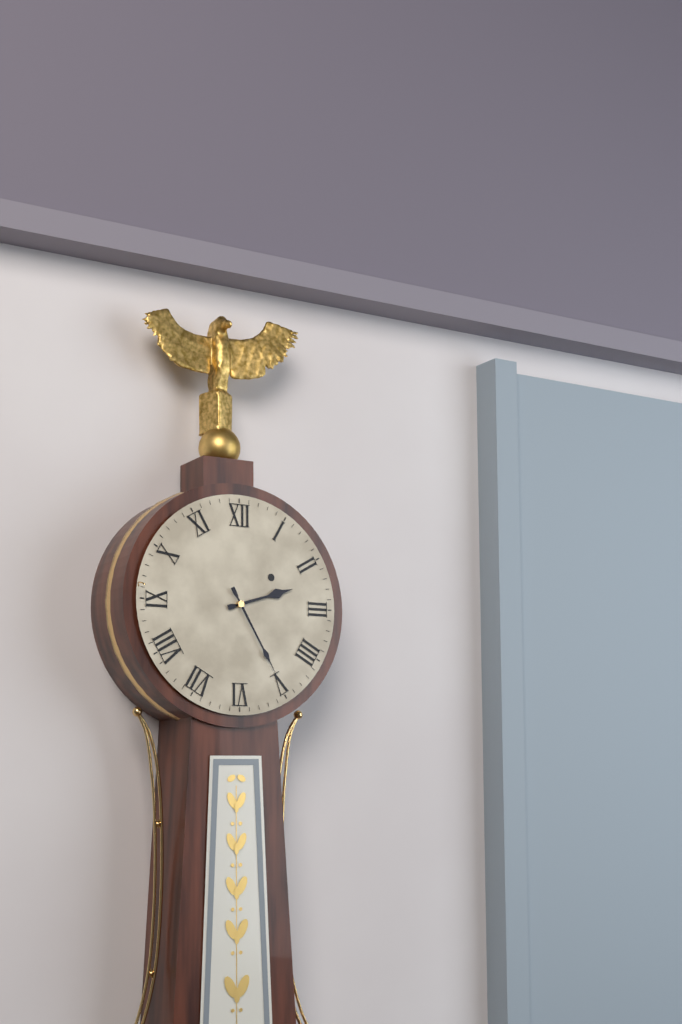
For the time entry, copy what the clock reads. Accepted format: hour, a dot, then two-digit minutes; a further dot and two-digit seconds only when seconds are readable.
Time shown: 2.25
